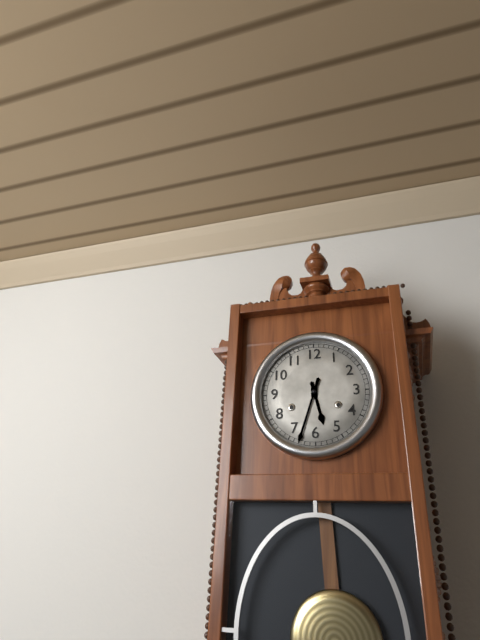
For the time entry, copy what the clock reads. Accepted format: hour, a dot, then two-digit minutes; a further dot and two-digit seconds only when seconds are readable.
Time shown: 5.33
